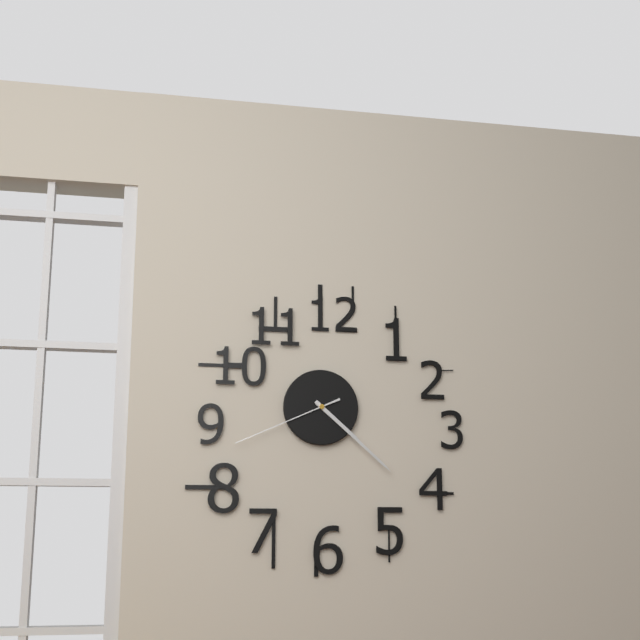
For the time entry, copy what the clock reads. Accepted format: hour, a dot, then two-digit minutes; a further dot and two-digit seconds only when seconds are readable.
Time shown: 4.22.41
